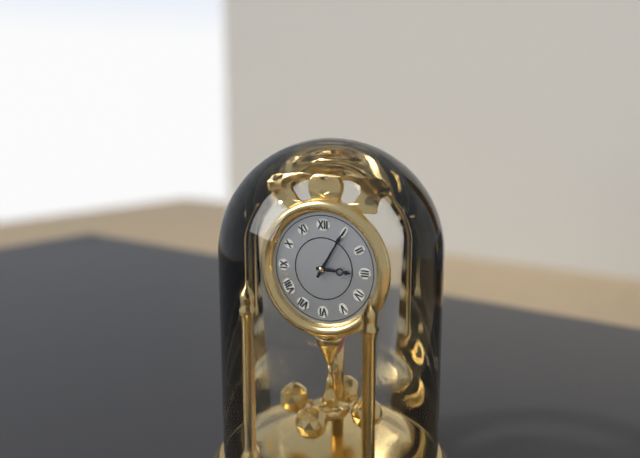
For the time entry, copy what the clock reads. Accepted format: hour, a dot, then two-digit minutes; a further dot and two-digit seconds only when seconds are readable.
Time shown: 3.05
